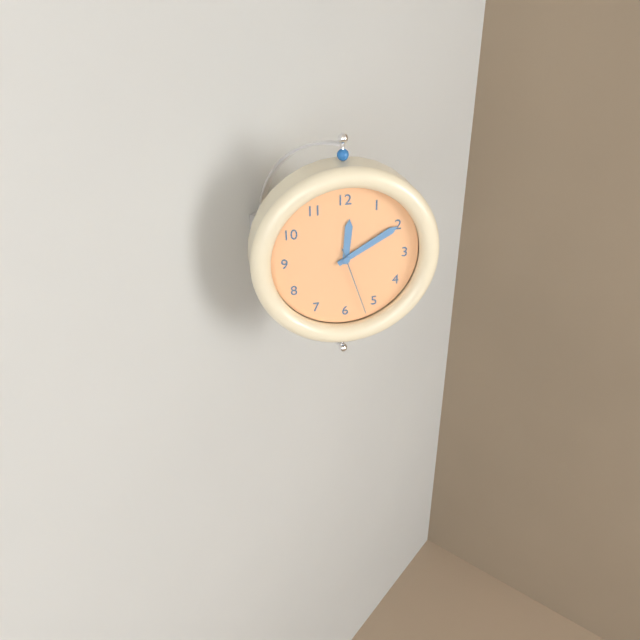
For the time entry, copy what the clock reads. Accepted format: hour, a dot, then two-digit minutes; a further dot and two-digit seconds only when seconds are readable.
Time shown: 12.10.27
